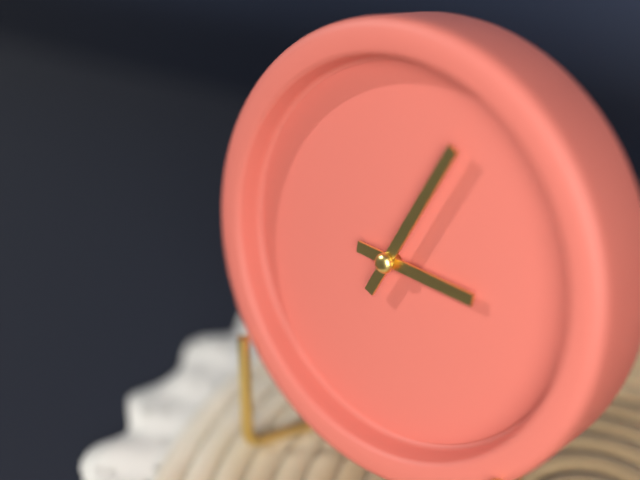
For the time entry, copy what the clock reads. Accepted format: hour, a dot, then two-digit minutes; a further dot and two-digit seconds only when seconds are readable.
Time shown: 3.04
